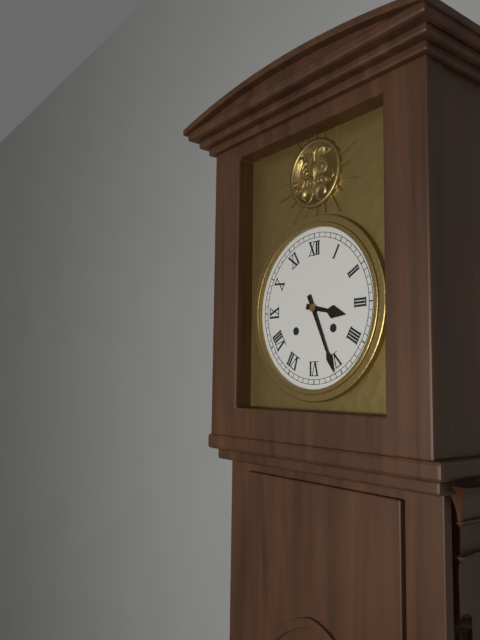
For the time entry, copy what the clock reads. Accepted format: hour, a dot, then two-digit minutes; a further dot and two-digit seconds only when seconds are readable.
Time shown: 3.26
